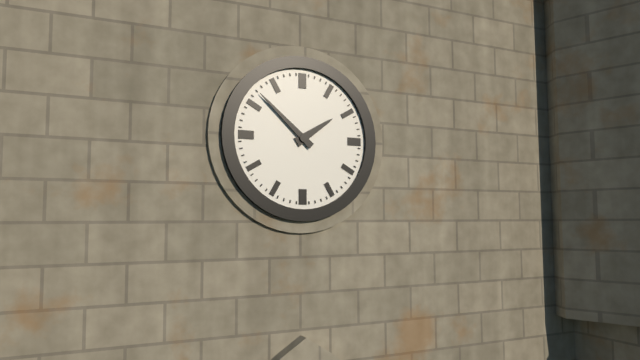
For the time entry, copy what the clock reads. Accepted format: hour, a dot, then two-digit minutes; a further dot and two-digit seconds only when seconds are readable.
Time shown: 1.52
